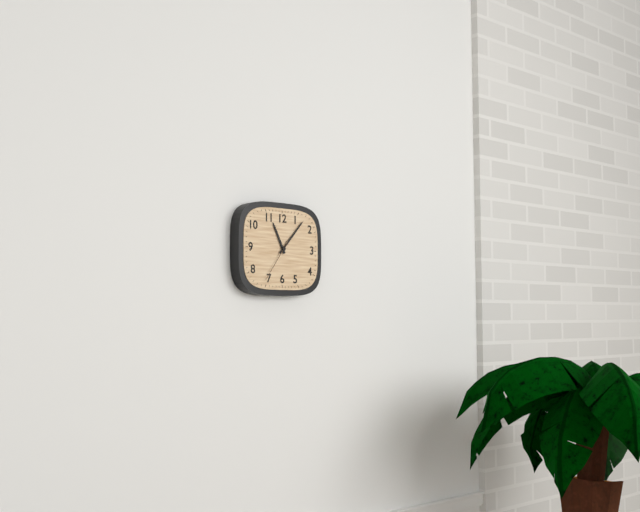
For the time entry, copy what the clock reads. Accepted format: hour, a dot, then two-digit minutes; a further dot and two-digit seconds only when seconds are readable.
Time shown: 11.07
